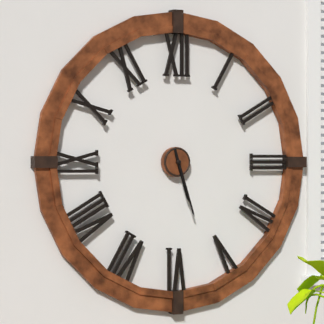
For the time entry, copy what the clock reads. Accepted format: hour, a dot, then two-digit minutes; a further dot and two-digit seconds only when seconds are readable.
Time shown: 5.27
